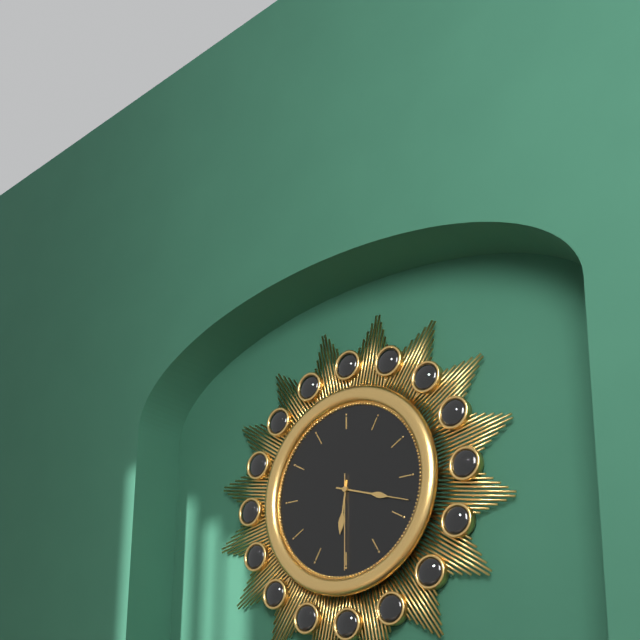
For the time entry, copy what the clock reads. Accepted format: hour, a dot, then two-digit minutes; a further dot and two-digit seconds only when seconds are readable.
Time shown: 6.18.30
